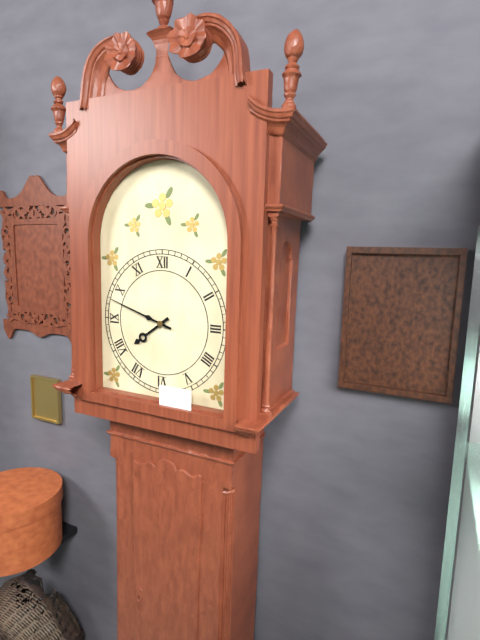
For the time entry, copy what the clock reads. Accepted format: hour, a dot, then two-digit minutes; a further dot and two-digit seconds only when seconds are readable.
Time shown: 7.48
